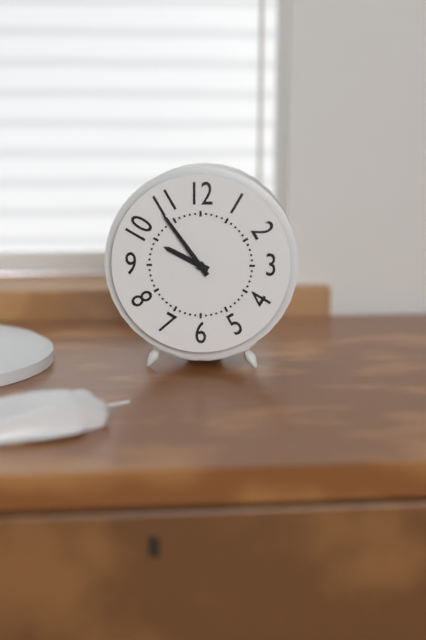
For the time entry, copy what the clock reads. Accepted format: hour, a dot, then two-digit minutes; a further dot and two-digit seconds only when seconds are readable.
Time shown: 9.54
